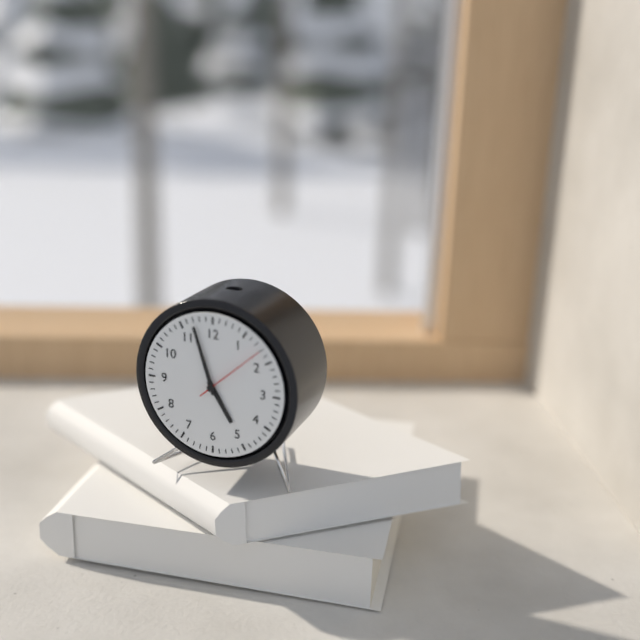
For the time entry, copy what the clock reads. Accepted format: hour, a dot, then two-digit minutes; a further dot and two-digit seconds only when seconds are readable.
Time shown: 4.57
